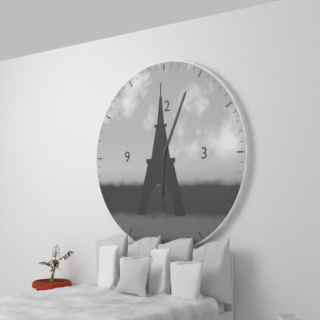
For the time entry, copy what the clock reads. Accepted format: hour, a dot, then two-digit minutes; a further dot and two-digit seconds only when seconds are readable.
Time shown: 6.04
